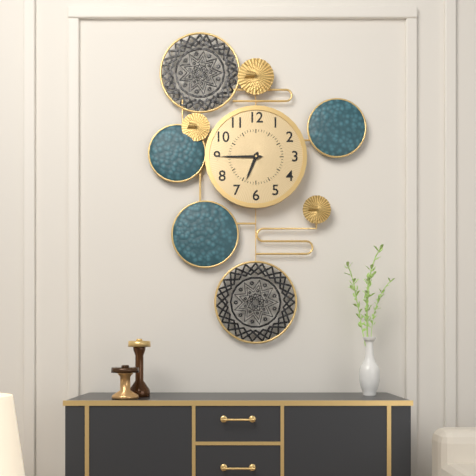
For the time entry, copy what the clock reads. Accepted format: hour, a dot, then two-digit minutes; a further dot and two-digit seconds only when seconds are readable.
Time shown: 6.45
